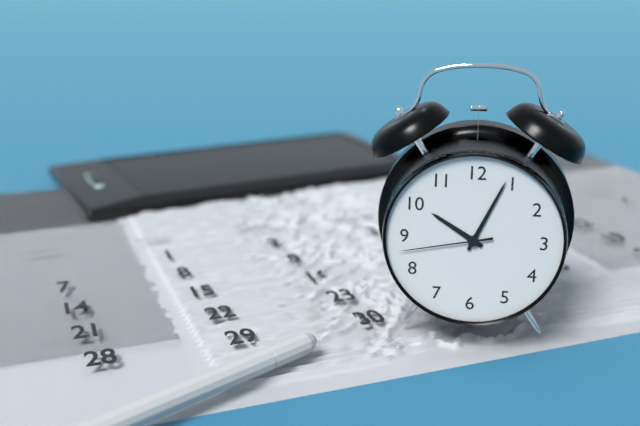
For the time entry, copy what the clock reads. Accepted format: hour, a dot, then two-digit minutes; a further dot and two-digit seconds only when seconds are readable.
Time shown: 10.04.43
